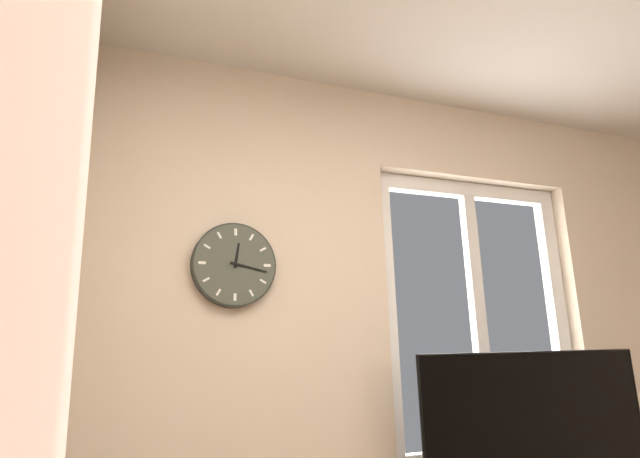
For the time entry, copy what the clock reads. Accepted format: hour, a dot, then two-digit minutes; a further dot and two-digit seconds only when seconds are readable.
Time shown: 12.17
